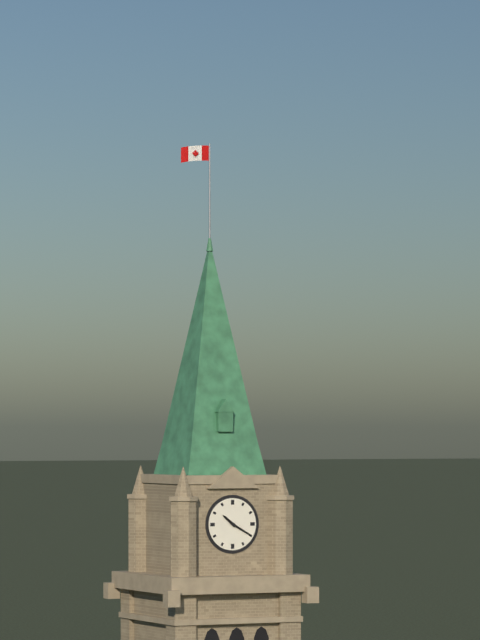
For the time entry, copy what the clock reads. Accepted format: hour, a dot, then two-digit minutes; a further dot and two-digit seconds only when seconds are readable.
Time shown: 10.20
